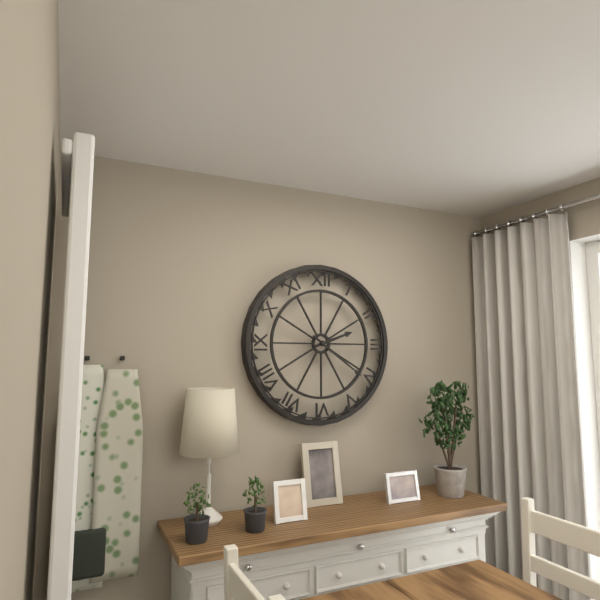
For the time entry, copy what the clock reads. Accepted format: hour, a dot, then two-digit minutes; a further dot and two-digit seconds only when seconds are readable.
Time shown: 2.21
